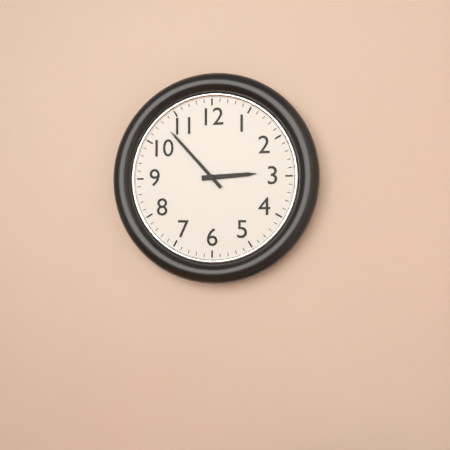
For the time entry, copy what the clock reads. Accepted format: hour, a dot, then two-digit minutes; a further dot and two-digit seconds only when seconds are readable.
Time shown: 2.53
